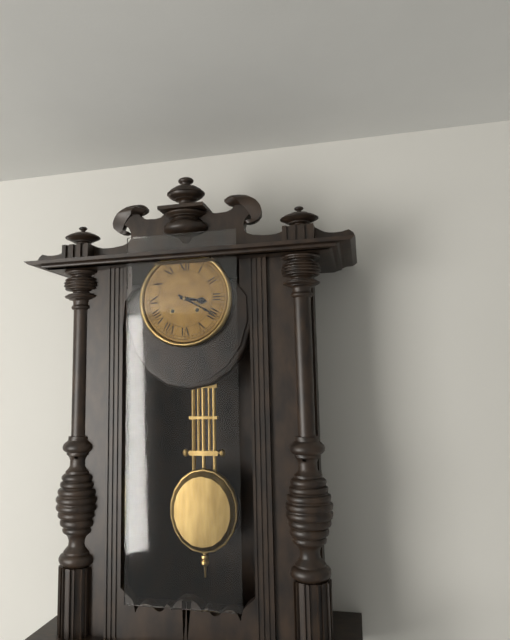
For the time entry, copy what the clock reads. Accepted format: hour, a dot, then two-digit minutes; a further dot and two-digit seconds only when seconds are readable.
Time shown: 3.20
